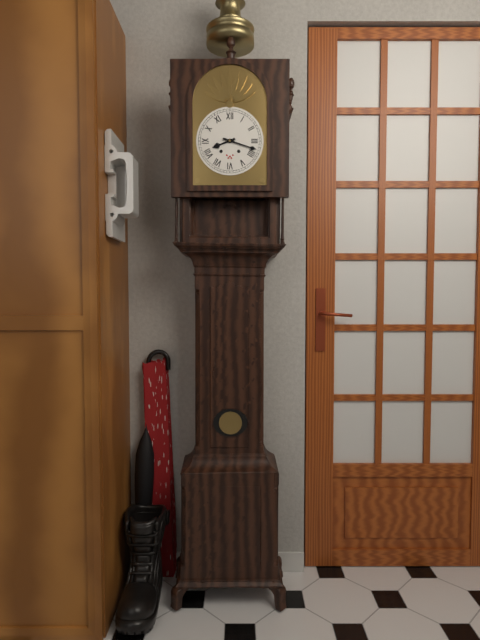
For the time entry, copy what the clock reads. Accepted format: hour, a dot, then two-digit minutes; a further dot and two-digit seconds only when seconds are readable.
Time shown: 8.18
